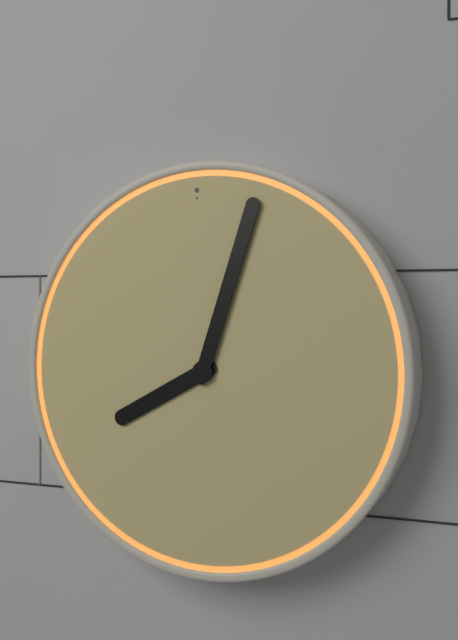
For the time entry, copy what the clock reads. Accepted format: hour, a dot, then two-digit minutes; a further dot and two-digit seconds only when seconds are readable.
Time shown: 8.03
